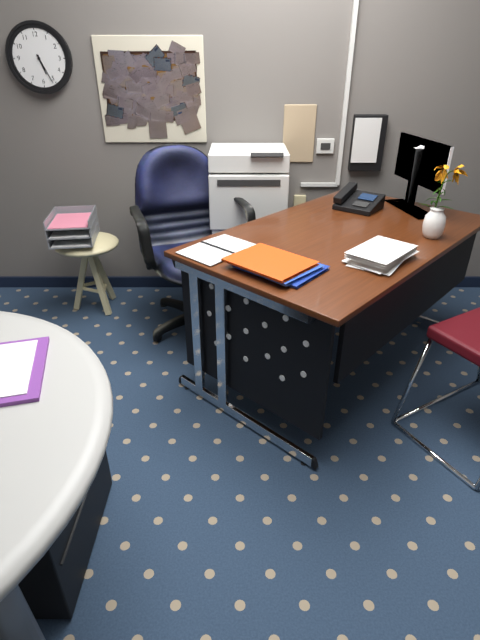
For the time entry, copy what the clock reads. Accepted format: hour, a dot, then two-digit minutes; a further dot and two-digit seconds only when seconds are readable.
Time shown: 5.26
